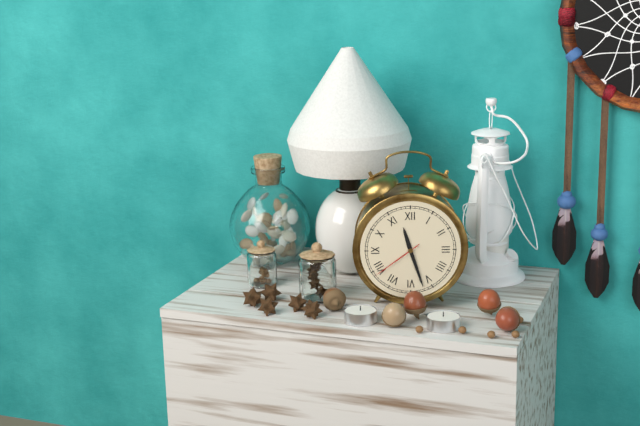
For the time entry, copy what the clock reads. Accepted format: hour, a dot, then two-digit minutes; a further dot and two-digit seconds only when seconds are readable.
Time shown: 11.27.39
